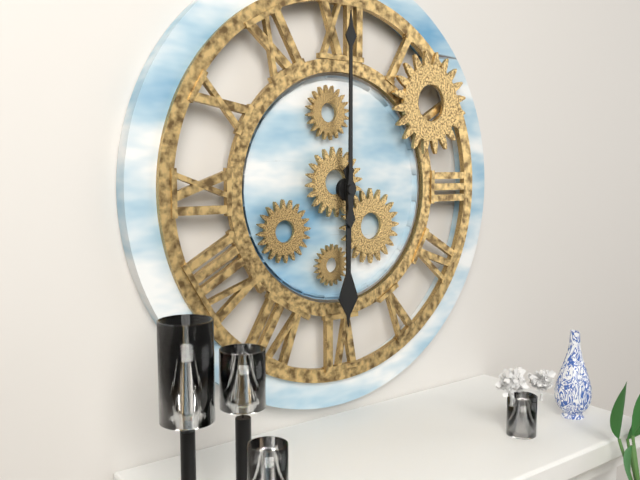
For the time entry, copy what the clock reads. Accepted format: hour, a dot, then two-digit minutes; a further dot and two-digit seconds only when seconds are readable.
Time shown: 6.00
